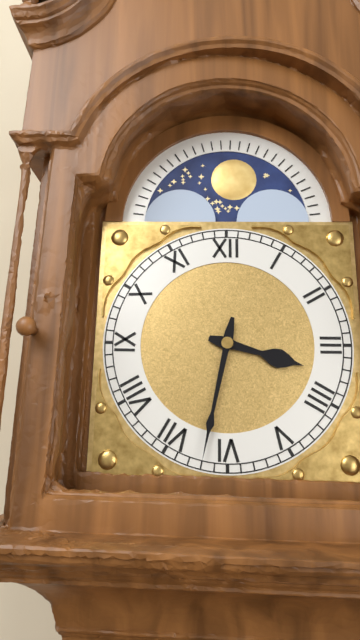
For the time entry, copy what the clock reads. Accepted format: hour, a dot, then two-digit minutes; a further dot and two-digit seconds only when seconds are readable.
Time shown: 3.32
